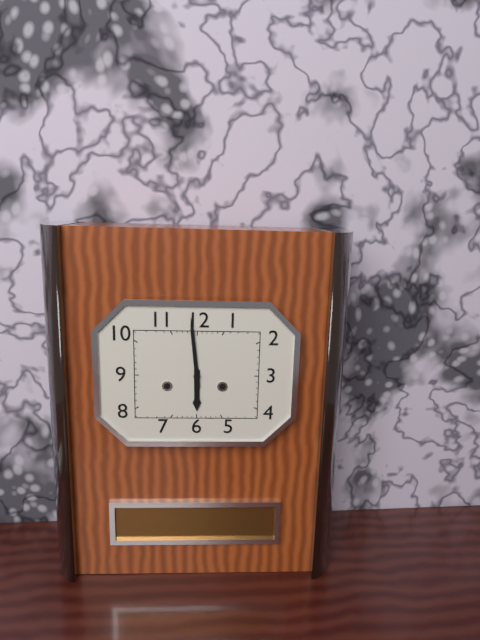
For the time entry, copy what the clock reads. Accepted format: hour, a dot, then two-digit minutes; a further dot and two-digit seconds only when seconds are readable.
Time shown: 5.59
